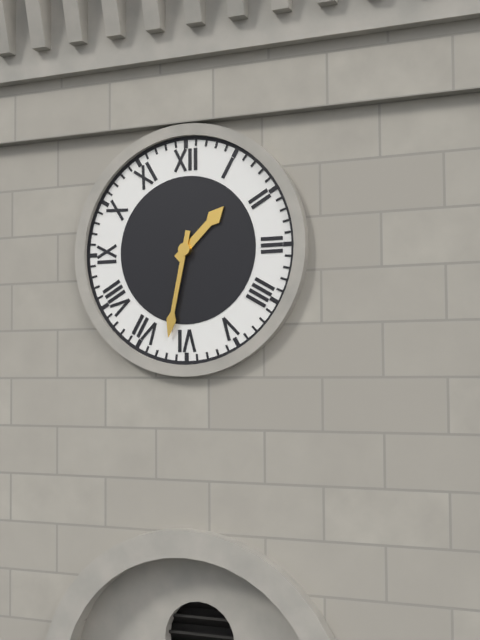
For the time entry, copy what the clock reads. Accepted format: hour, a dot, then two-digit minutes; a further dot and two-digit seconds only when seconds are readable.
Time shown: 1.32
